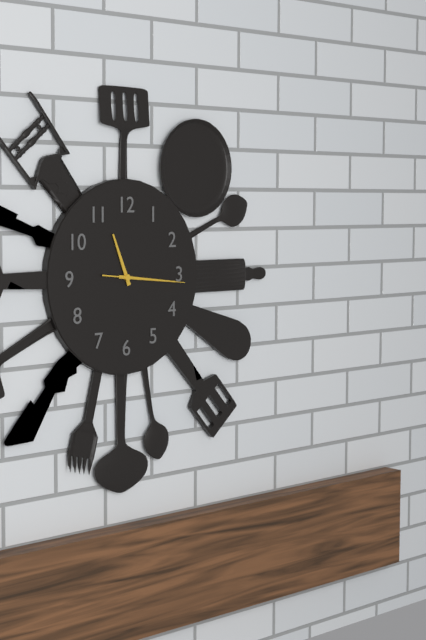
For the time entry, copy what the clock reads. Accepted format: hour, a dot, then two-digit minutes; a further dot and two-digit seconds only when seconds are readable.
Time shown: 11.16.16
